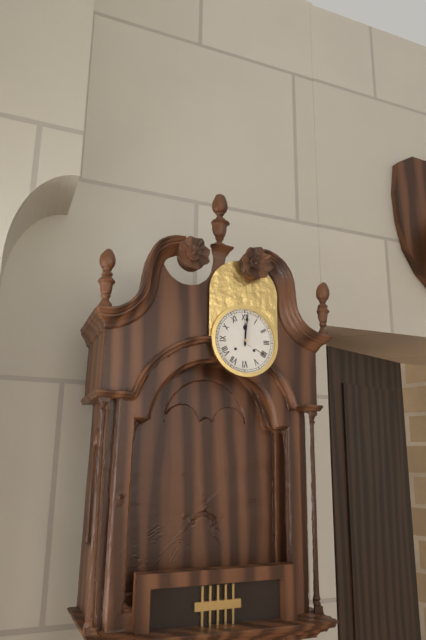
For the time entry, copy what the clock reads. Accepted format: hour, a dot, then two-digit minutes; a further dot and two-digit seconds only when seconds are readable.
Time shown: 12.01
